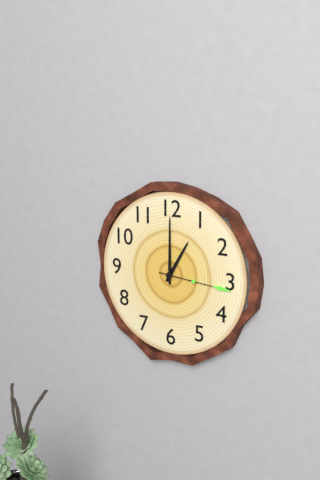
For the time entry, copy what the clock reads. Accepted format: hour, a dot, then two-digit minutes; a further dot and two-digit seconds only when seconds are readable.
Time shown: 1.00.16
